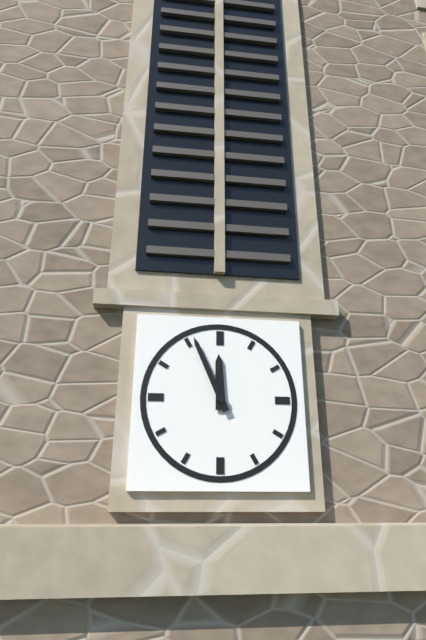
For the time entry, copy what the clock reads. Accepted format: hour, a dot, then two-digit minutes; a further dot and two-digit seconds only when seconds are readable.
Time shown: 11.56
